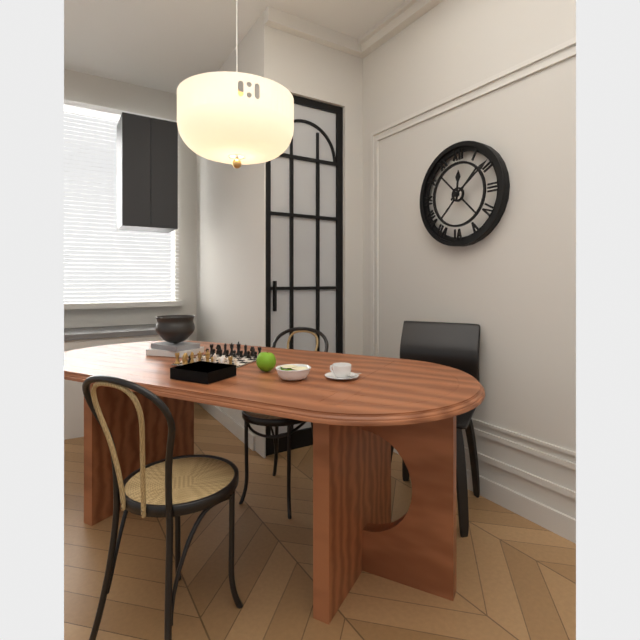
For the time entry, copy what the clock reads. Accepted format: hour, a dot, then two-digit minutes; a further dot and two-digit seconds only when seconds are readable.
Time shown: 12.09
